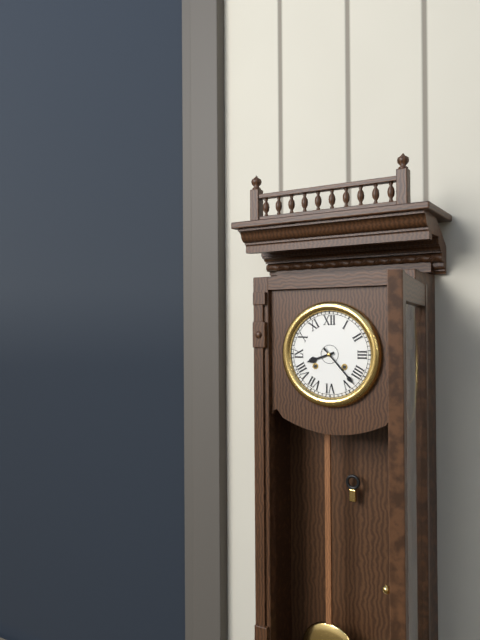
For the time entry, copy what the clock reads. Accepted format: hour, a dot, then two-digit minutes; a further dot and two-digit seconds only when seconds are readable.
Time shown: 8.23
